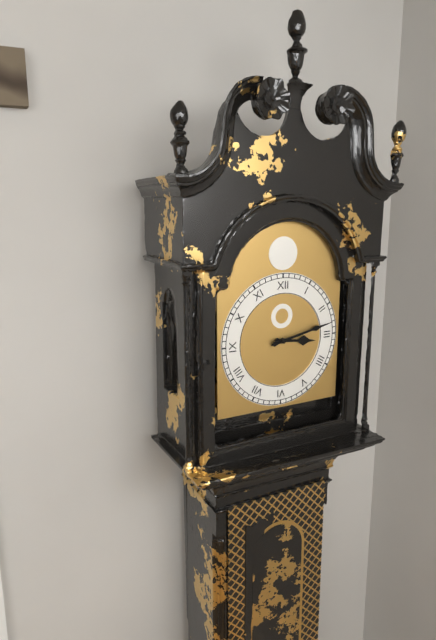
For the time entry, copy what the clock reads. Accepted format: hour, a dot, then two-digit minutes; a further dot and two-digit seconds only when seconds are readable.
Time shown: 3.13
